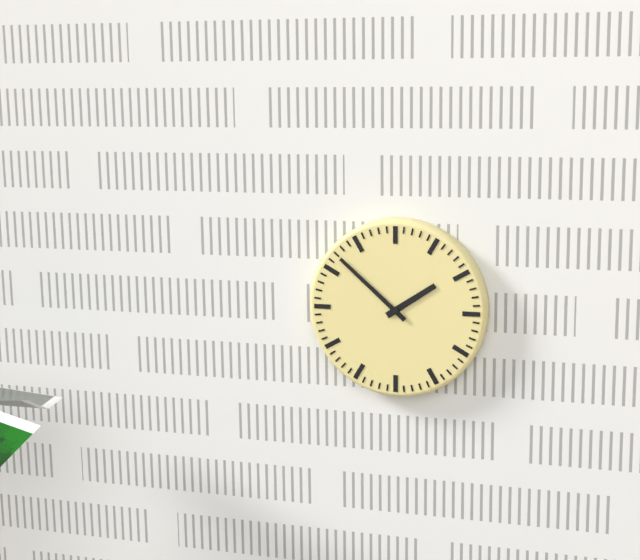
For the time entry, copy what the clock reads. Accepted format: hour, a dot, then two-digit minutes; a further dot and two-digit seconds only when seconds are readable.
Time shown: 1.52
